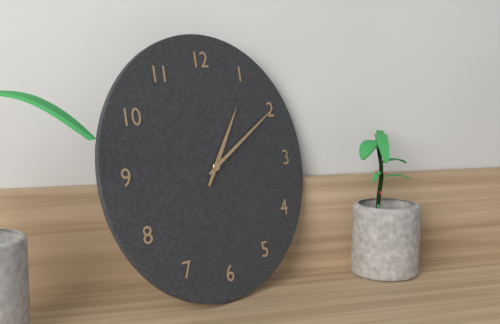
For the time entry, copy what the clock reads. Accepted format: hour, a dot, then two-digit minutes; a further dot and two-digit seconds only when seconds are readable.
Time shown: 1.10
